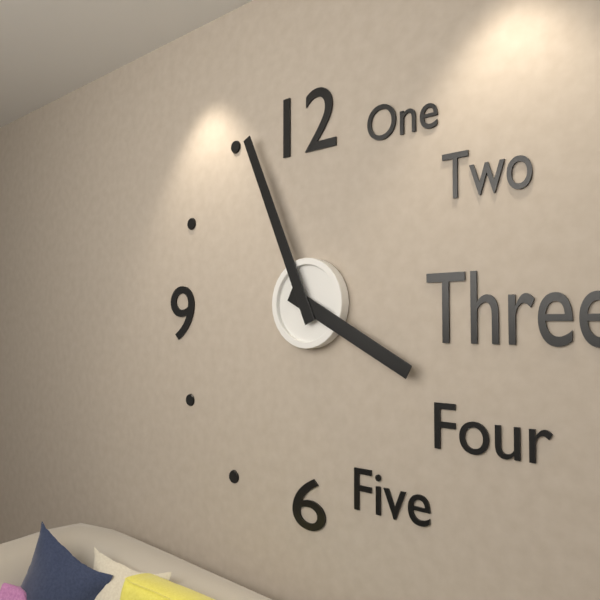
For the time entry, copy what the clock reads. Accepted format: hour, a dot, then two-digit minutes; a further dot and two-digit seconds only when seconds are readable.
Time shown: 3.56
